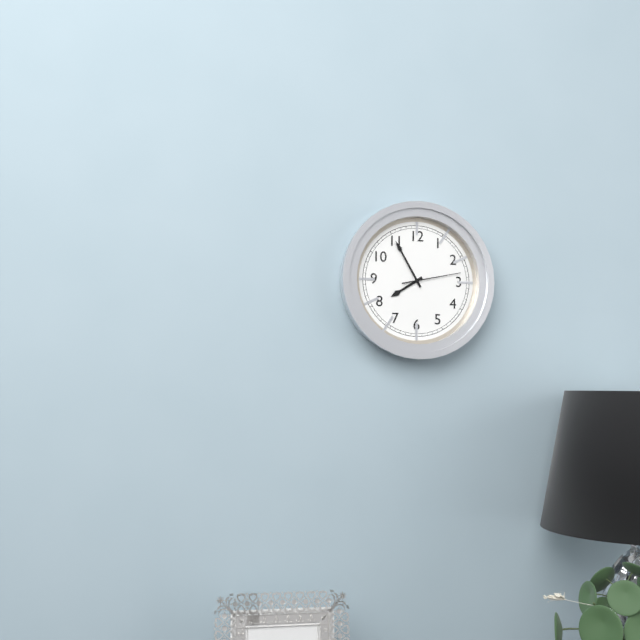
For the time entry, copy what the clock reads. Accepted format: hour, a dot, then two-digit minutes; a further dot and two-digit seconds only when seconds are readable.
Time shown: 7.55.13
